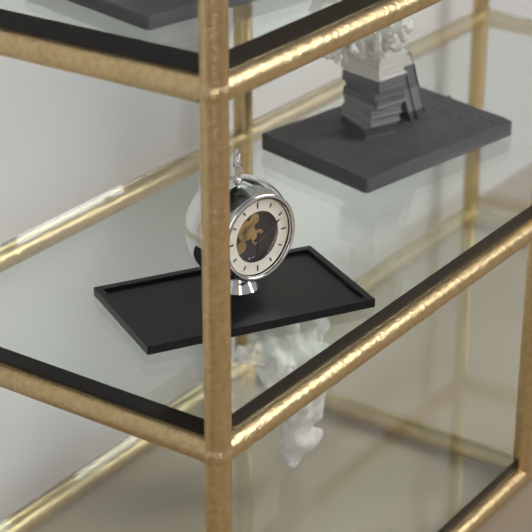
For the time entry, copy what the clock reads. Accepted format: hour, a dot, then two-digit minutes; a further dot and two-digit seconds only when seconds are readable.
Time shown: 6.11
